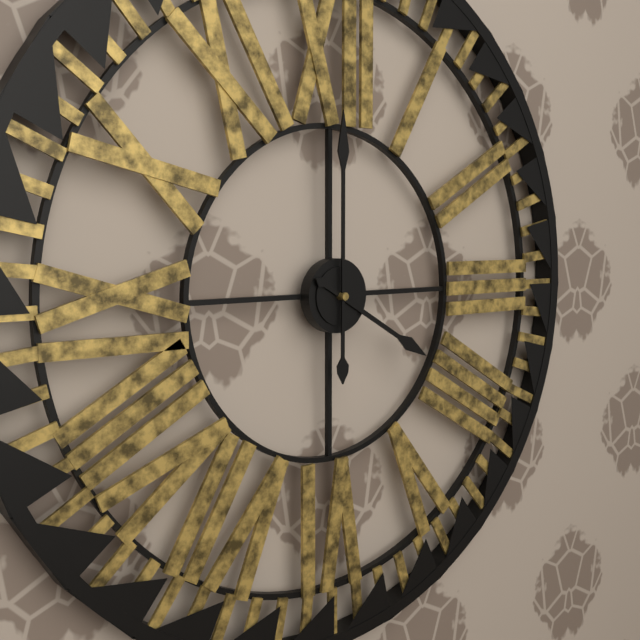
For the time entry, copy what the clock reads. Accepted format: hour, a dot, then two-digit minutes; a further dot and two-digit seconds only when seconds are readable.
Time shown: 4.00
